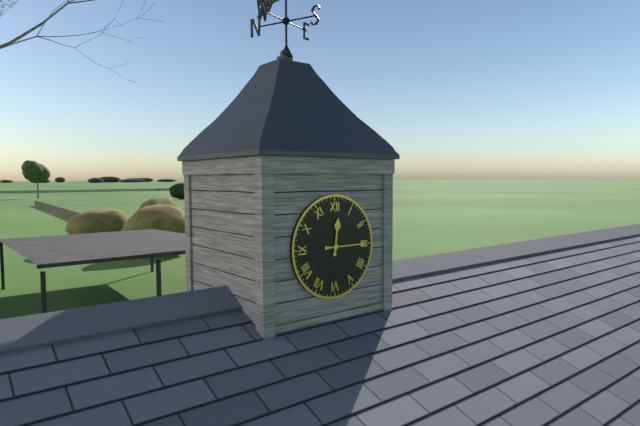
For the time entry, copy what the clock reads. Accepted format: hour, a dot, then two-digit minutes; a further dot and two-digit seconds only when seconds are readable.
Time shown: 12.15
